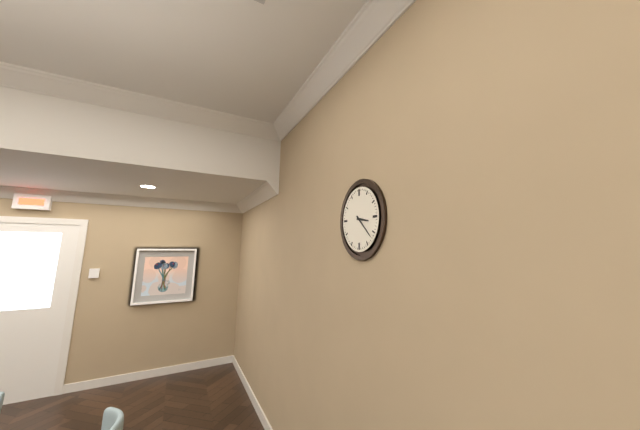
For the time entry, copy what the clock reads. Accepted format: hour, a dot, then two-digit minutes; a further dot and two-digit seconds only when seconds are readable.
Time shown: 3.22
